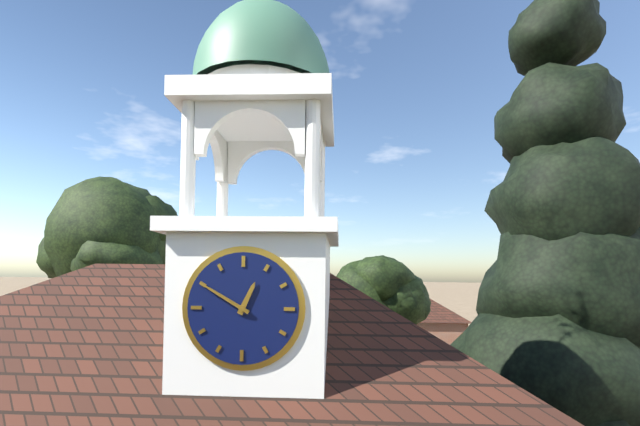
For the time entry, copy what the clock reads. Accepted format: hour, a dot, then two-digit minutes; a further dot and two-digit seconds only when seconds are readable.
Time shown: 12.50
